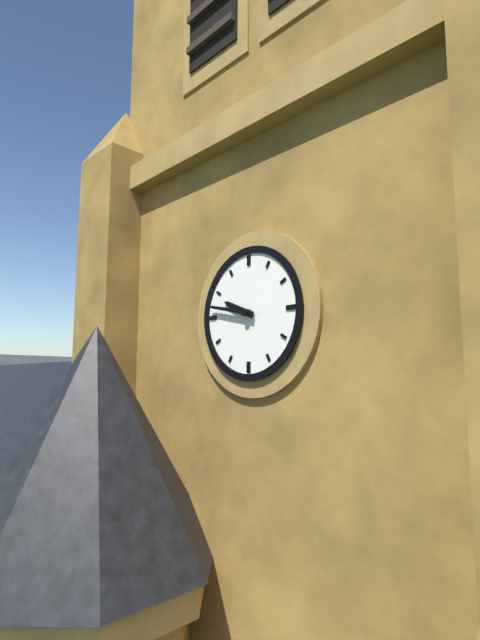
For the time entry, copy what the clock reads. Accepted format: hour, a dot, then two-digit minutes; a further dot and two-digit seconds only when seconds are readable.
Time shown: 9.47
